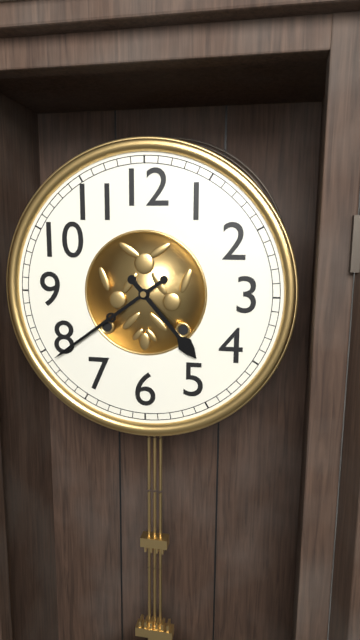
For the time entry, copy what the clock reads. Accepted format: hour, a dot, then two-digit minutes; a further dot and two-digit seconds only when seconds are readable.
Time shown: 4.39
